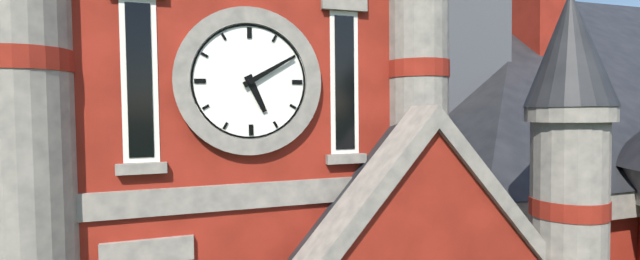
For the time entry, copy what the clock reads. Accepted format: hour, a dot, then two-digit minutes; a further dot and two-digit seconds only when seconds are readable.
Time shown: 5.10
